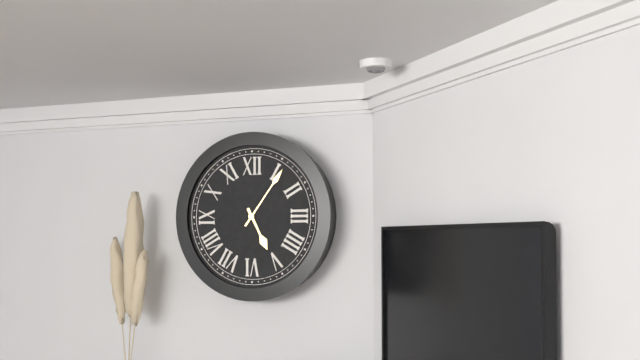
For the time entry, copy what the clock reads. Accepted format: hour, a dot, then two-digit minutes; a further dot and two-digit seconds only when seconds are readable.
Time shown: 5.06
